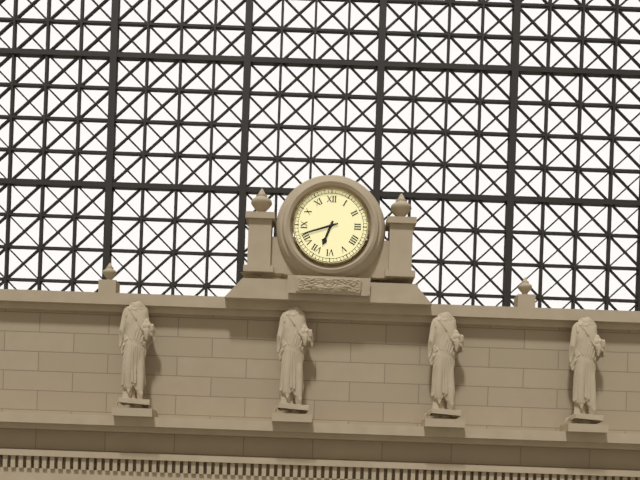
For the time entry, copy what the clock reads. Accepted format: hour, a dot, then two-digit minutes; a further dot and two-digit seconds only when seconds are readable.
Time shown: 6.42
